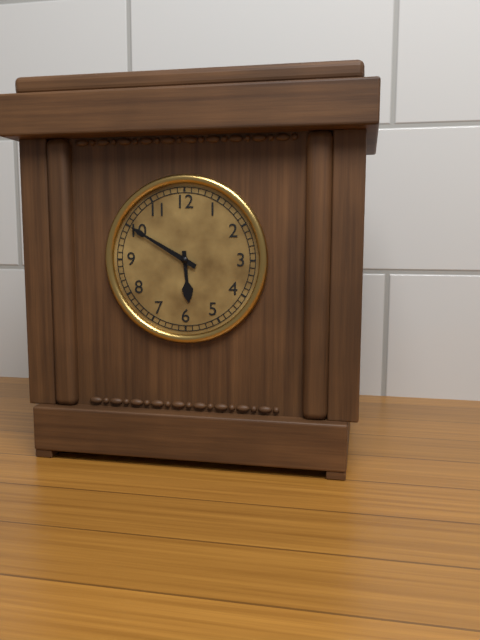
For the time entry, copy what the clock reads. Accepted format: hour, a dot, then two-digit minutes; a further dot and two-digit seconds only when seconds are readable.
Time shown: 5.50
